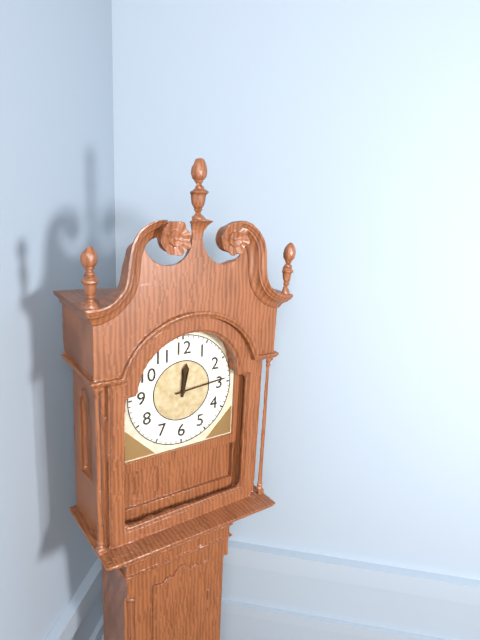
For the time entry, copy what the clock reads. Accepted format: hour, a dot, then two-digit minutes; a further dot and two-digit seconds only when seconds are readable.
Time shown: 12.14
